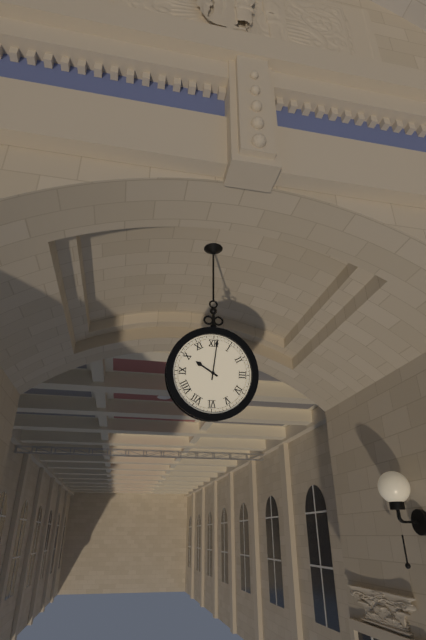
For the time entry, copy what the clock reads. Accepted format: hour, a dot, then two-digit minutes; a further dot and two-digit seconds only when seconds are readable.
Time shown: 10.01
